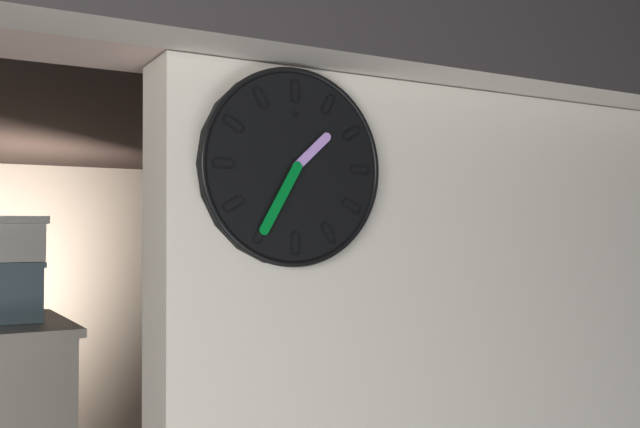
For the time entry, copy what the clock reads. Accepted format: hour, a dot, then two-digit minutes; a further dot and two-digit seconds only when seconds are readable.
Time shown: 1.35
